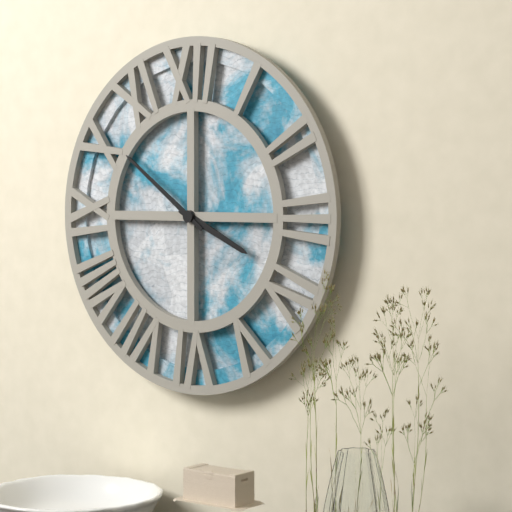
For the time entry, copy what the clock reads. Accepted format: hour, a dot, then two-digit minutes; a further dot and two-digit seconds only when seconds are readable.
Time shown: 3.51
